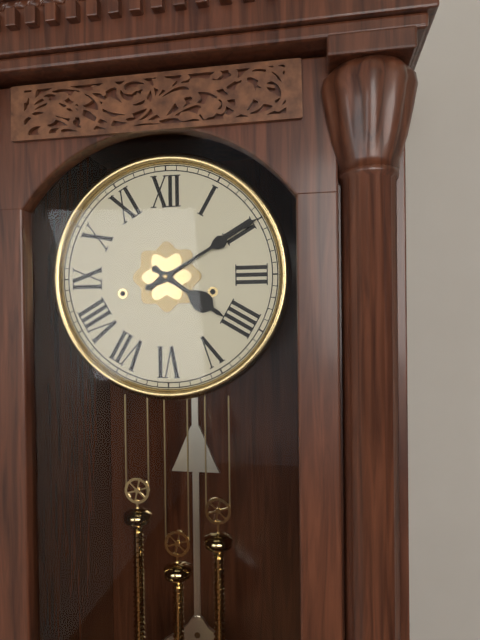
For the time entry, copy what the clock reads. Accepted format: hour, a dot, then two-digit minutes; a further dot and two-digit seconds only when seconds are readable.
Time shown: 4.10
